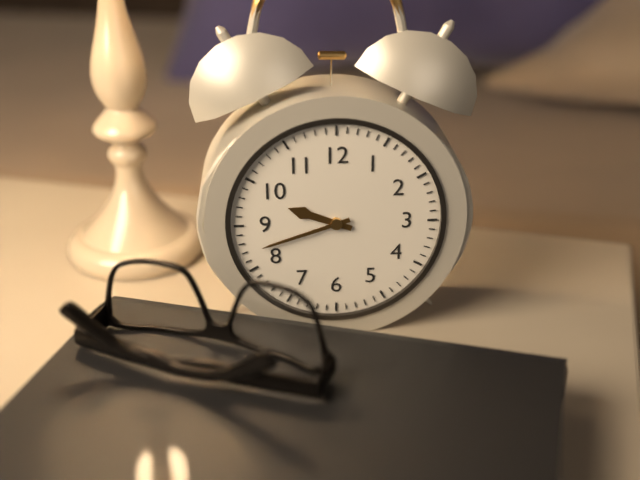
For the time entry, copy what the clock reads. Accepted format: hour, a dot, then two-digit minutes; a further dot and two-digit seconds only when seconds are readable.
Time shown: 9.42
